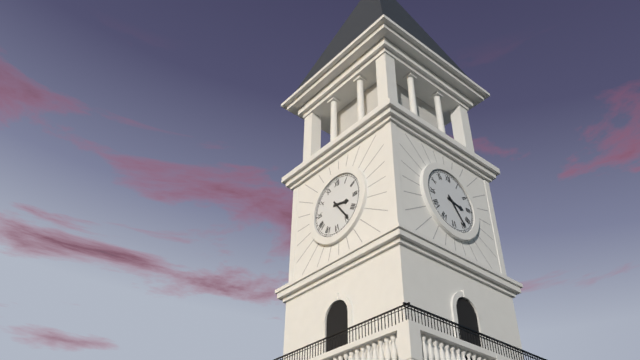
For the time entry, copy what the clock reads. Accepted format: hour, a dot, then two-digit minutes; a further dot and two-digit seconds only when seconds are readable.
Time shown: 3.24
